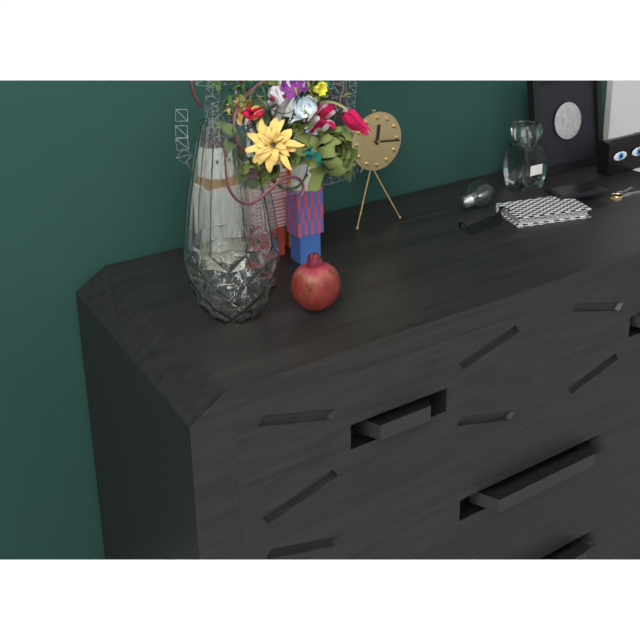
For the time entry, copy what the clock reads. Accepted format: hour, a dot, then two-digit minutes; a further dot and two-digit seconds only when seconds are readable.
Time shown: 12.16
